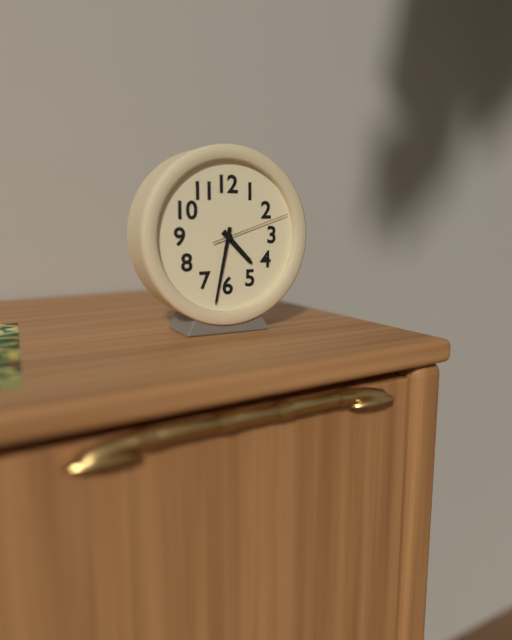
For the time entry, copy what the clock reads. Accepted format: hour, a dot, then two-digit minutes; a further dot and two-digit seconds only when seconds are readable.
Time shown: 4.32.12
